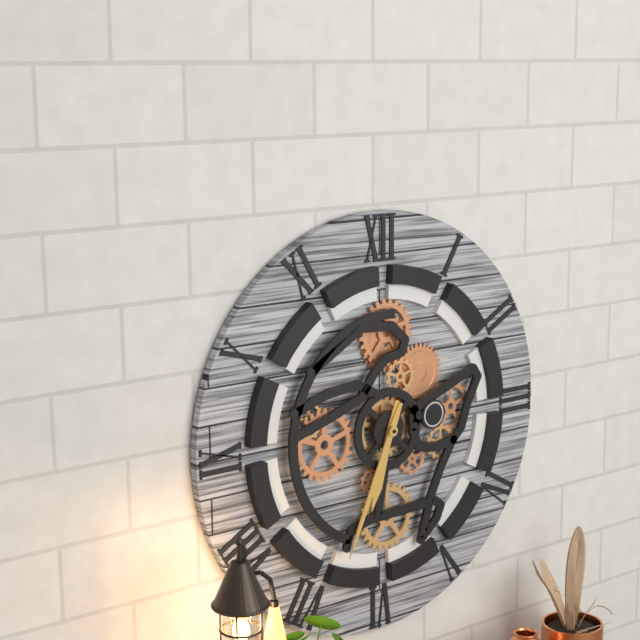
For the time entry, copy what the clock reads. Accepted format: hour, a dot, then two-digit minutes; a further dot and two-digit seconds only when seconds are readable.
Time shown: 6.34
